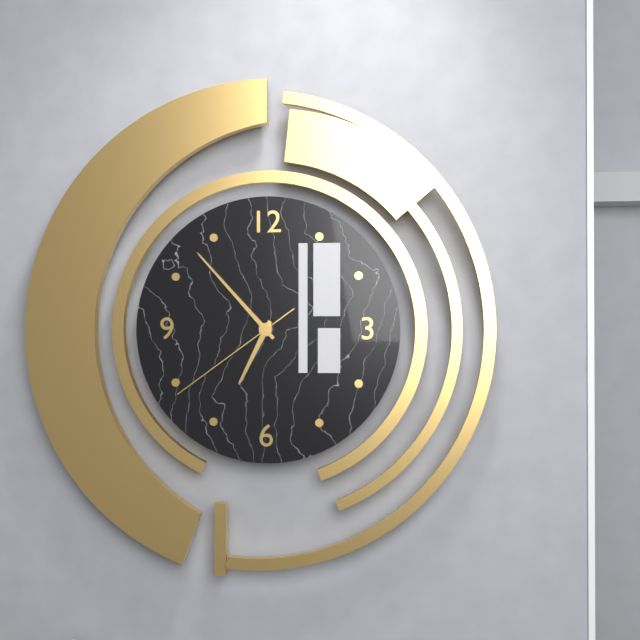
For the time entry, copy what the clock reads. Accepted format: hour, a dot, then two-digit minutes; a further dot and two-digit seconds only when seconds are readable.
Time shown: 6.53.39
